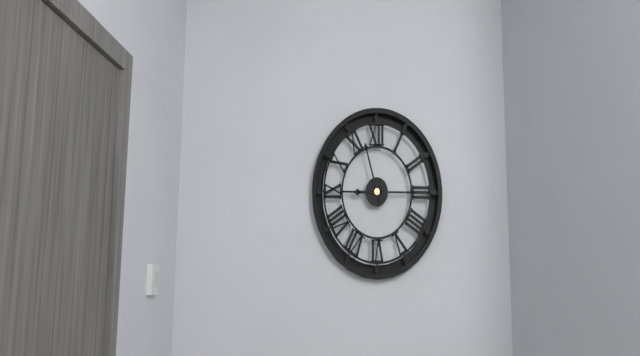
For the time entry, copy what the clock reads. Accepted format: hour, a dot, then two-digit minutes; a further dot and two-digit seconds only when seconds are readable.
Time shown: 8.57
